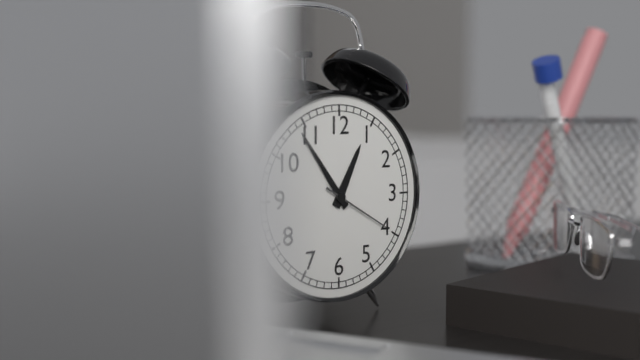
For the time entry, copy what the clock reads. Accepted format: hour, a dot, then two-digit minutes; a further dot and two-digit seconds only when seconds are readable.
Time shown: 12.54.20
